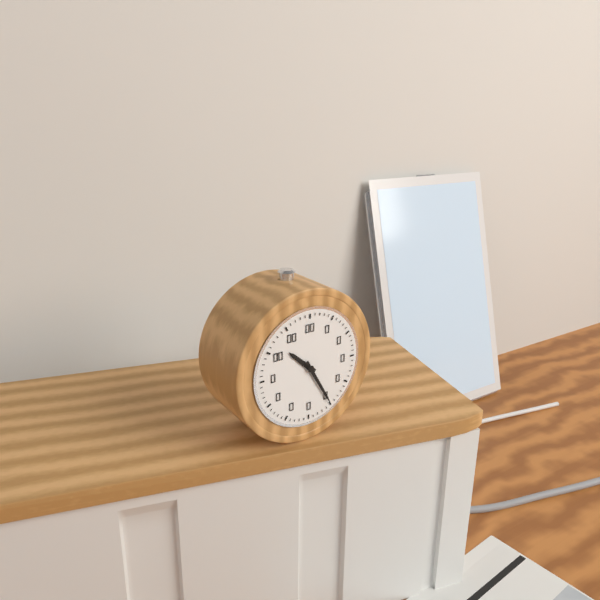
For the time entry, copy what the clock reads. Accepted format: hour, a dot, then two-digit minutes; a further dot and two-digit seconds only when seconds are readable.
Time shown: 10.25
